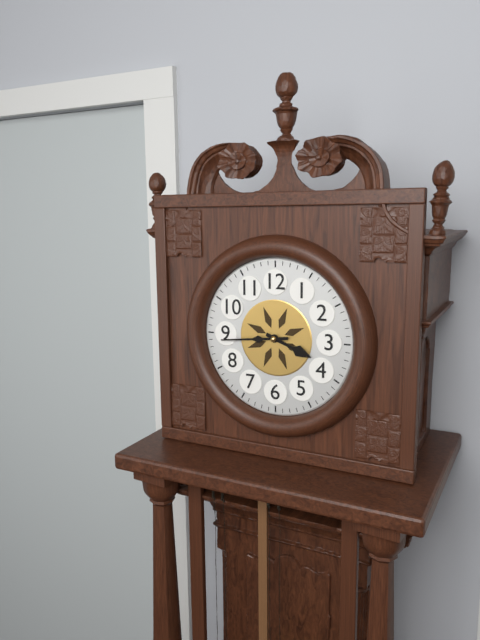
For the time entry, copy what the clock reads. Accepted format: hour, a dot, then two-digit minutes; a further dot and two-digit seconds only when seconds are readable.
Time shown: 3.44
